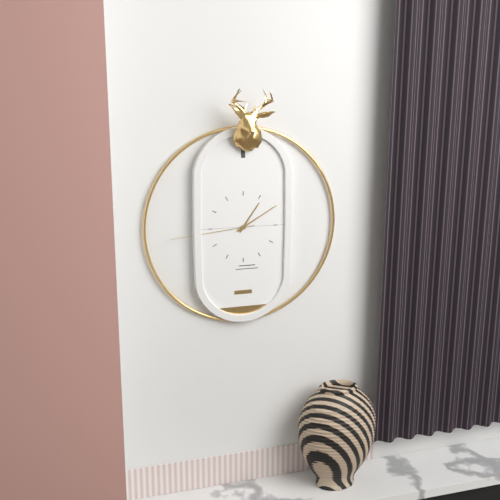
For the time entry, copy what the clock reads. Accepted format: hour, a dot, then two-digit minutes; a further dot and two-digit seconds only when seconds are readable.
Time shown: 1.10.44
